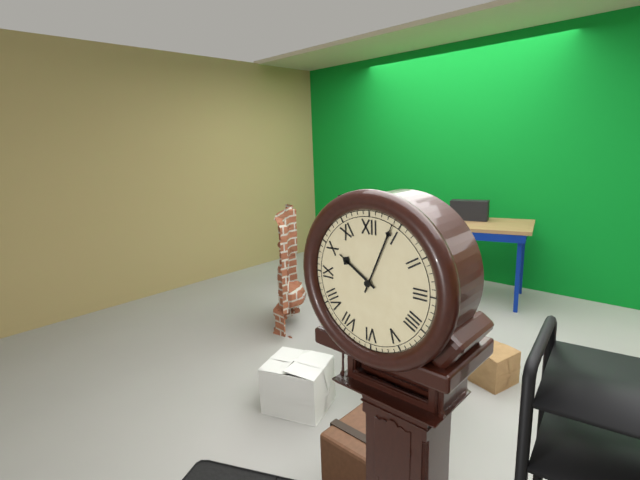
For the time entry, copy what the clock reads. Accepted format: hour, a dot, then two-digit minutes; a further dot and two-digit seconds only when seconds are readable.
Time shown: 10.04
